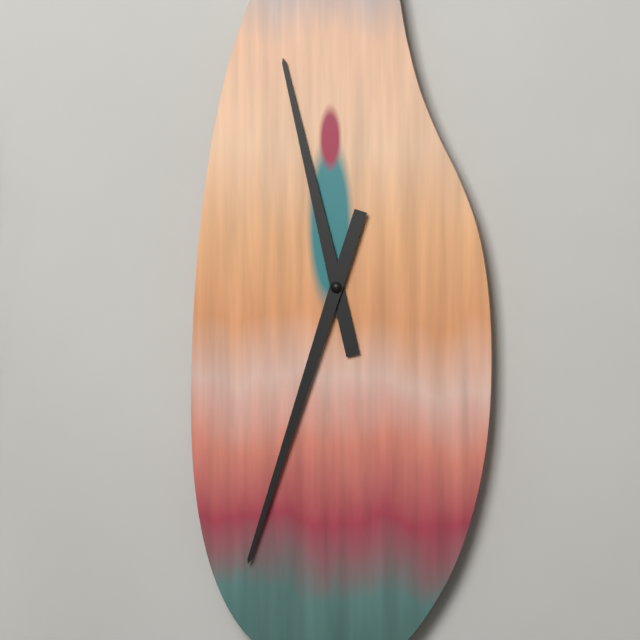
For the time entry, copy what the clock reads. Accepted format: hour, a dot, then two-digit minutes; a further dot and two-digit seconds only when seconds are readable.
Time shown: 11.33
